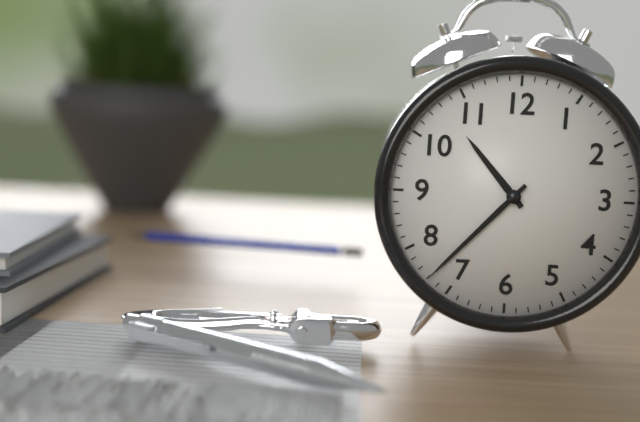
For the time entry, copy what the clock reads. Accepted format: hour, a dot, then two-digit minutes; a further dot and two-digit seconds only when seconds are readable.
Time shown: 10.37
